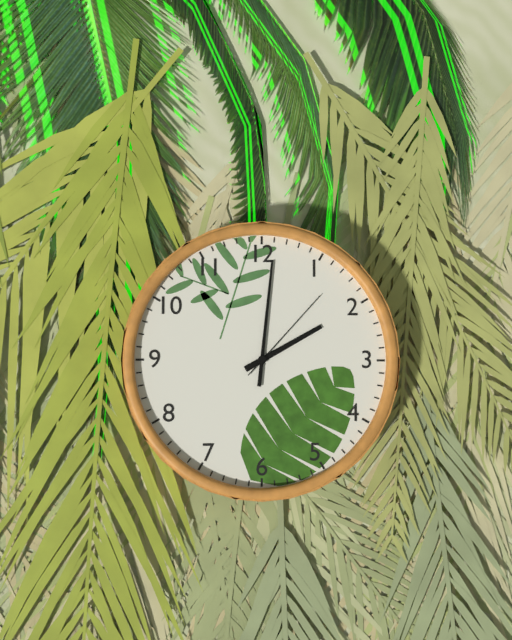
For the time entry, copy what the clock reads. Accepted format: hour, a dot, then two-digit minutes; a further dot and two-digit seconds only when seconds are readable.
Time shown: 2.01.07
